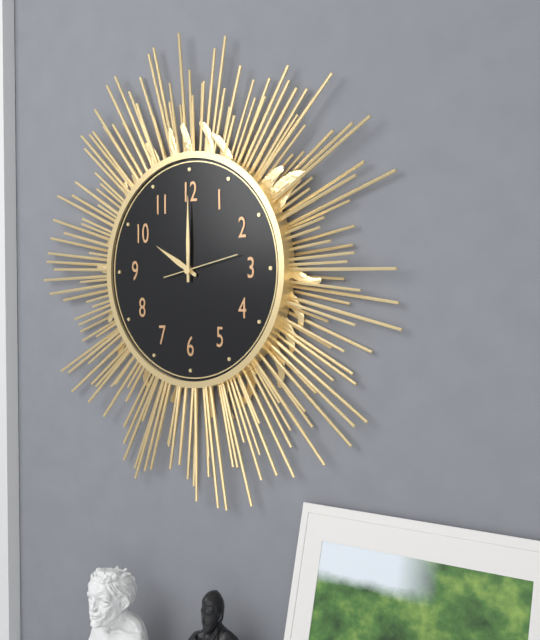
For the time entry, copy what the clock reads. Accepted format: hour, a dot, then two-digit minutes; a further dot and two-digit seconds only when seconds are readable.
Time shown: 10.00.13
